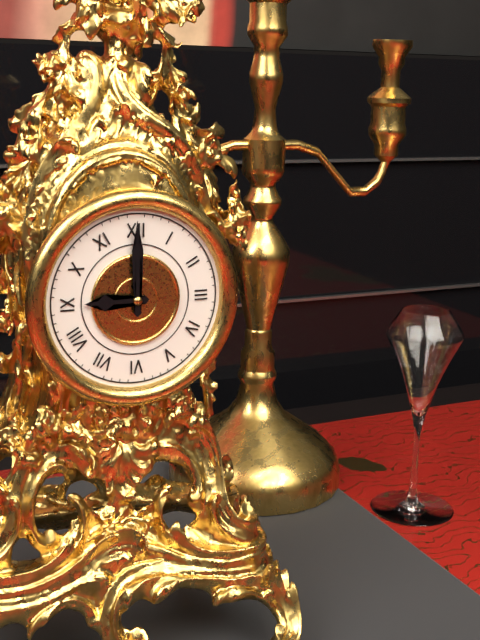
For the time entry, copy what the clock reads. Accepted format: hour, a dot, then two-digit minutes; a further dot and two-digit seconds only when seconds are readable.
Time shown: 9.00
